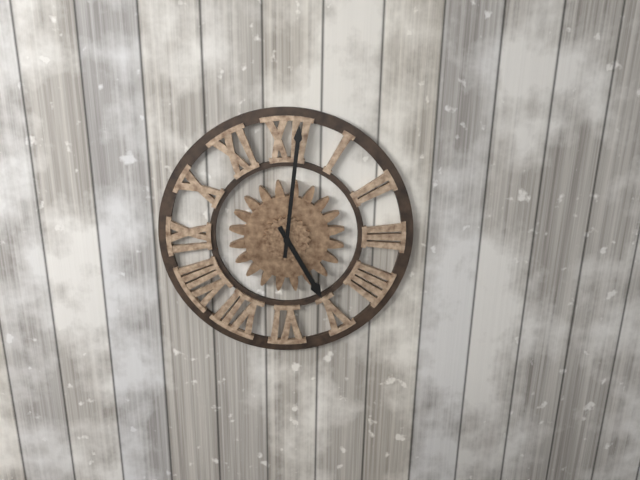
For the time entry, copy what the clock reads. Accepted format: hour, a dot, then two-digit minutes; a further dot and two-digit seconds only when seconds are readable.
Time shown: 5.01
